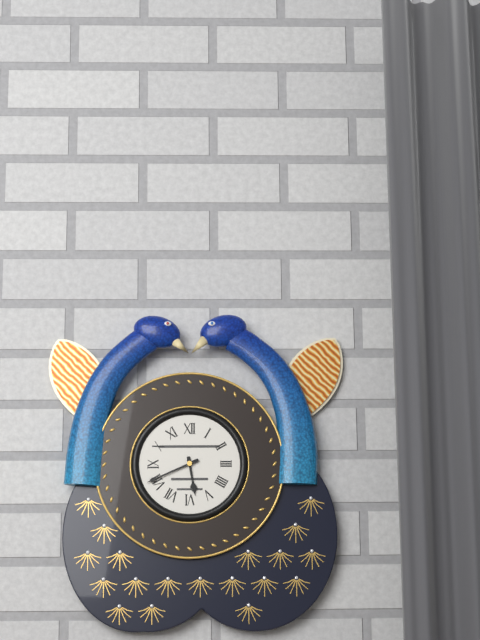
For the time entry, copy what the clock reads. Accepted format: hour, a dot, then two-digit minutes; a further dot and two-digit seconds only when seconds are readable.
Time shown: 5.41
